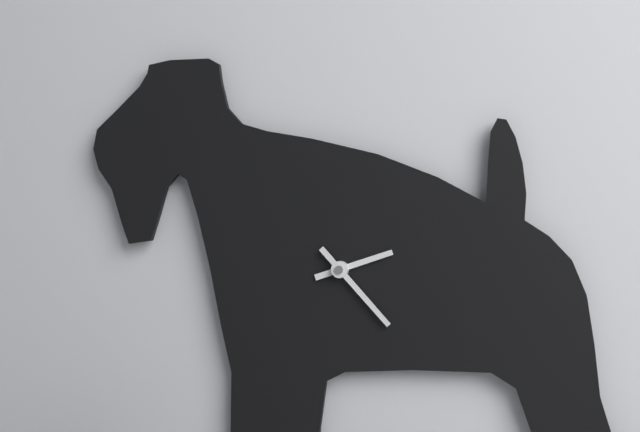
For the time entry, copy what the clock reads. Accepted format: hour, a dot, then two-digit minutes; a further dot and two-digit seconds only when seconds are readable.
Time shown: 2.23
